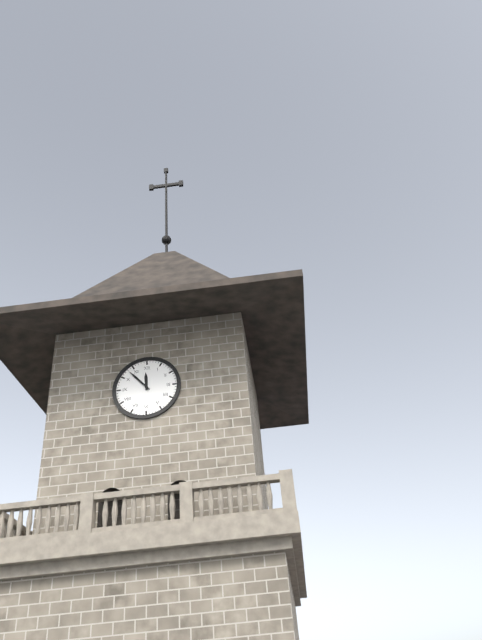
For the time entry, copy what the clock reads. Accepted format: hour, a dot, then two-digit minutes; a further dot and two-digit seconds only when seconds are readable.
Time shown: 11.53
